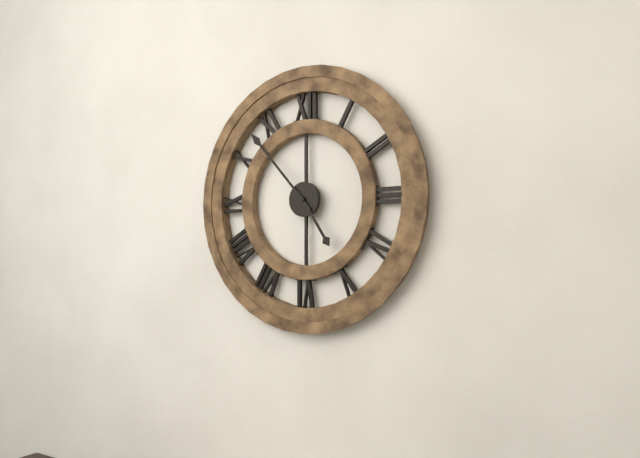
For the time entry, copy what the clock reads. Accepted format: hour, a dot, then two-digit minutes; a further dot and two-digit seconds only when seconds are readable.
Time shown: 4.53
